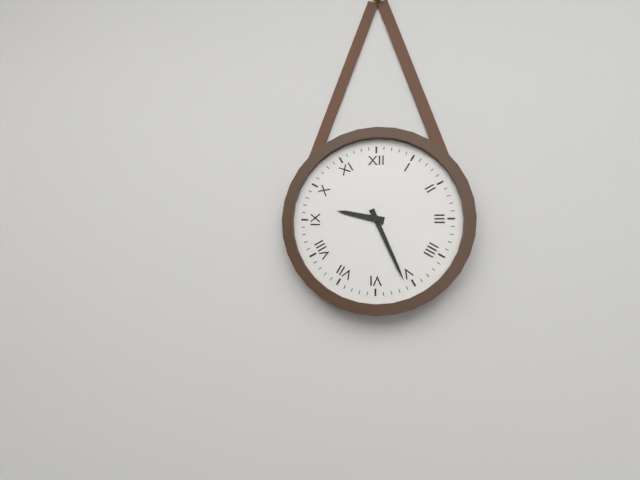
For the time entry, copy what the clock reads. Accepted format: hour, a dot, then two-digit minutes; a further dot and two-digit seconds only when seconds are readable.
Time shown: 9.26
